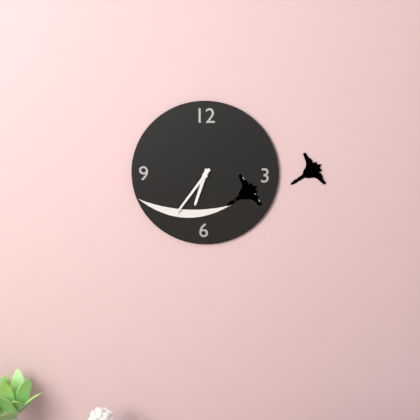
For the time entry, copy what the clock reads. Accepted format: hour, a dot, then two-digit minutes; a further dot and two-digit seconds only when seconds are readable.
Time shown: 6.36
